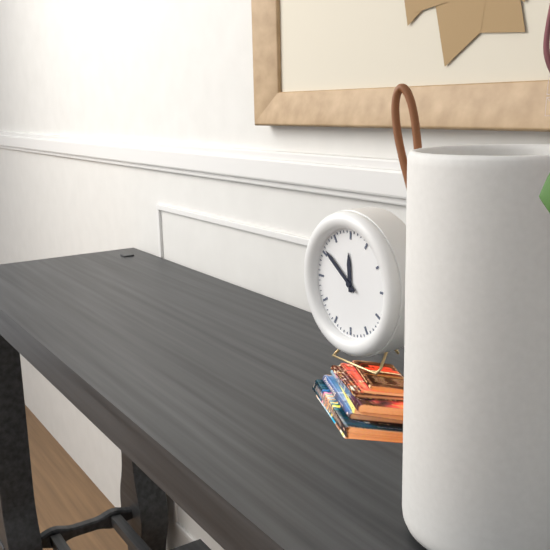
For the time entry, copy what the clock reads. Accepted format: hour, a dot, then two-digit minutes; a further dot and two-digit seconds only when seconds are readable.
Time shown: 11.51
